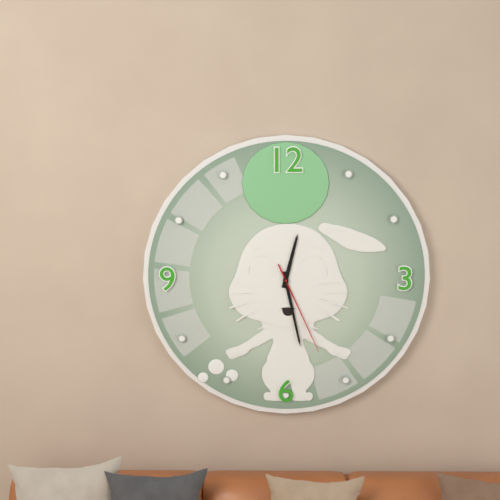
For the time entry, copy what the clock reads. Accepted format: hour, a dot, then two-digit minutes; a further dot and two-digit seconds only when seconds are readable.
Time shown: 12.28.26
